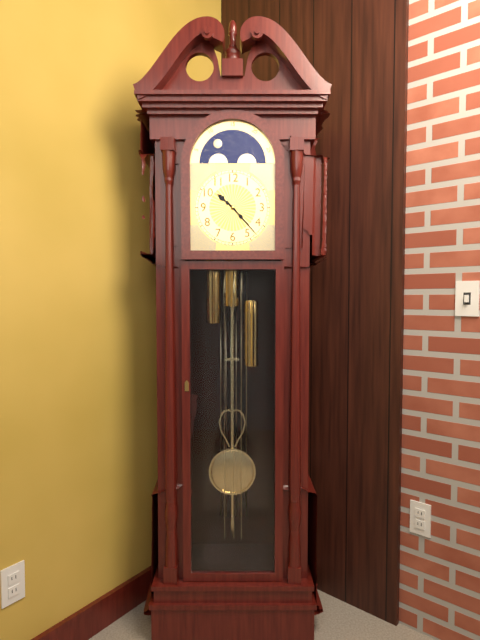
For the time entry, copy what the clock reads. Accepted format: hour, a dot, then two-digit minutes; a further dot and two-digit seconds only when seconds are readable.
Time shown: 10.23
